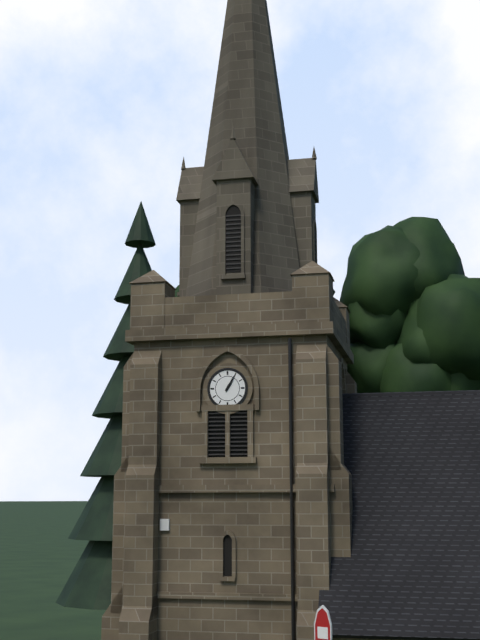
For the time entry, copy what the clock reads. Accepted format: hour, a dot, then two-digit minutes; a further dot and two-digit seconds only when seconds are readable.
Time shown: 1.05
